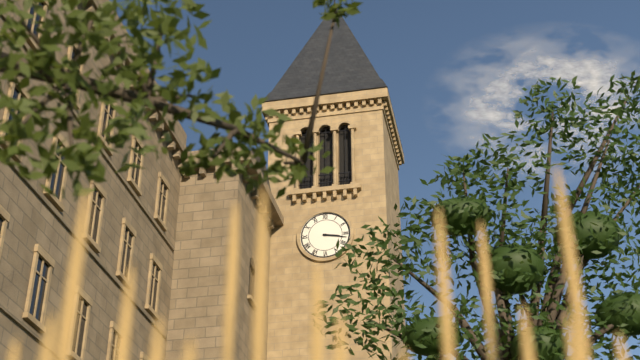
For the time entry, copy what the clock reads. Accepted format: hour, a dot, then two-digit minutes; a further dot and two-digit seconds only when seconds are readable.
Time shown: 3.17
